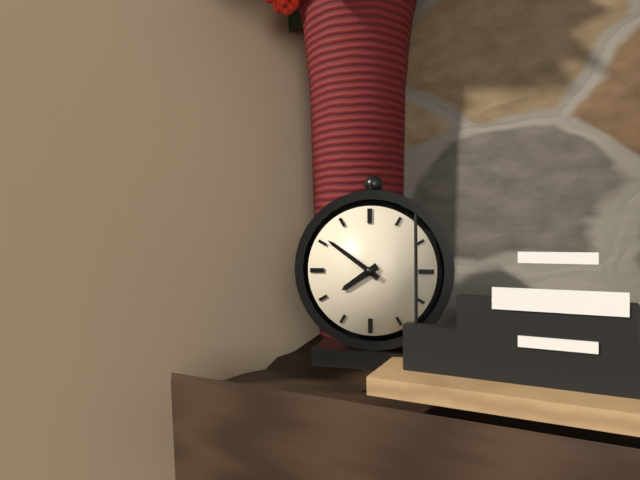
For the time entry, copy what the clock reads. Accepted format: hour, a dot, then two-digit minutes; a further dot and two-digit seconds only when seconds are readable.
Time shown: 7.51
